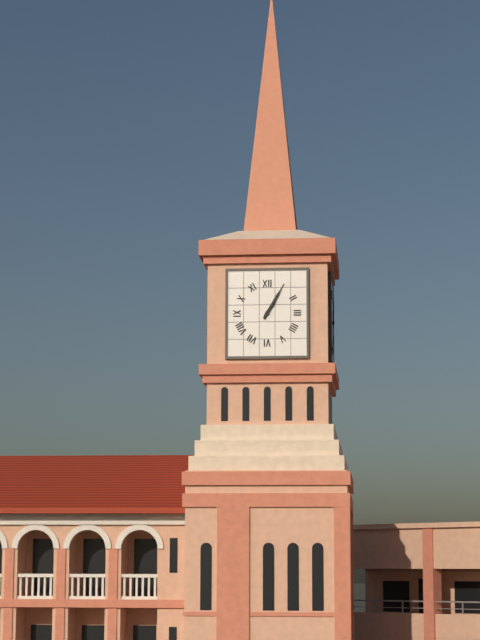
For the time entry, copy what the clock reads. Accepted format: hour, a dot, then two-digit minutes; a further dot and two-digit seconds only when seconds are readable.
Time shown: 1.05
